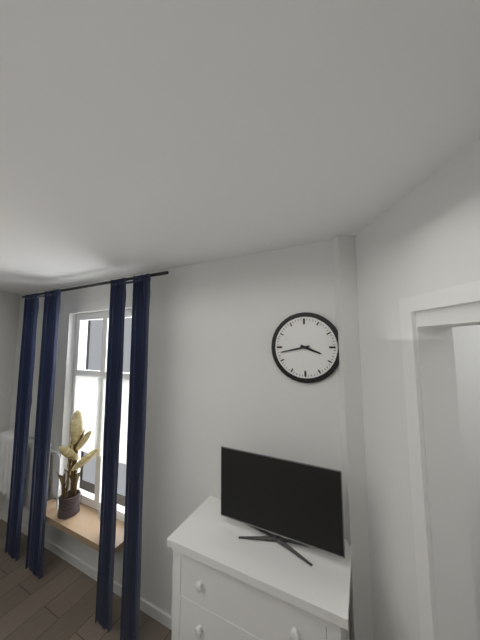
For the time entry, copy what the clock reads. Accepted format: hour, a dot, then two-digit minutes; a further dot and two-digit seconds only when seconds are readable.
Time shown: 3.43
